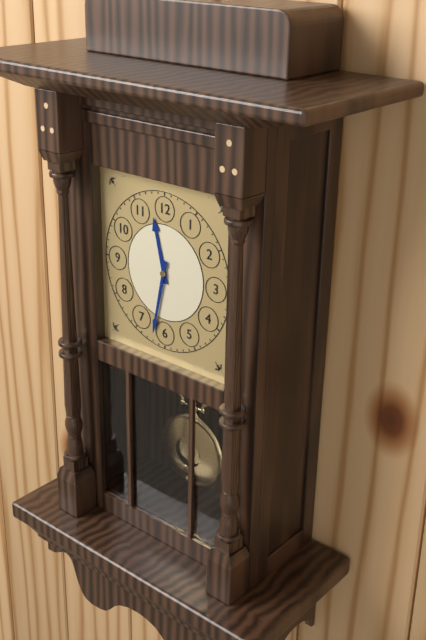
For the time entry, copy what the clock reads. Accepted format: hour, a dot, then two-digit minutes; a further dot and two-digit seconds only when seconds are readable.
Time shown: 11.32
